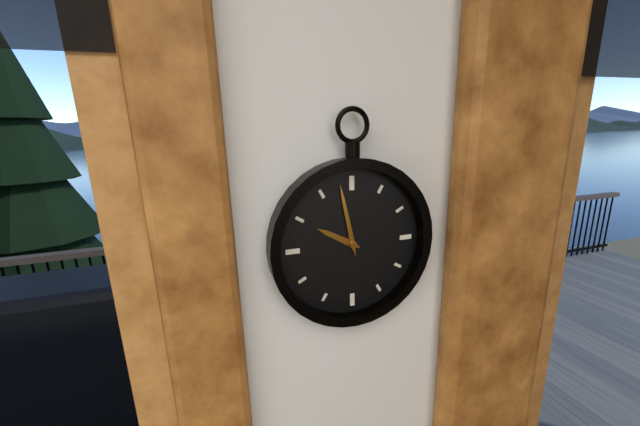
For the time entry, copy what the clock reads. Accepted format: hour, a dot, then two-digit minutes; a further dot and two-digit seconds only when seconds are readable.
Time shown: 9.58
